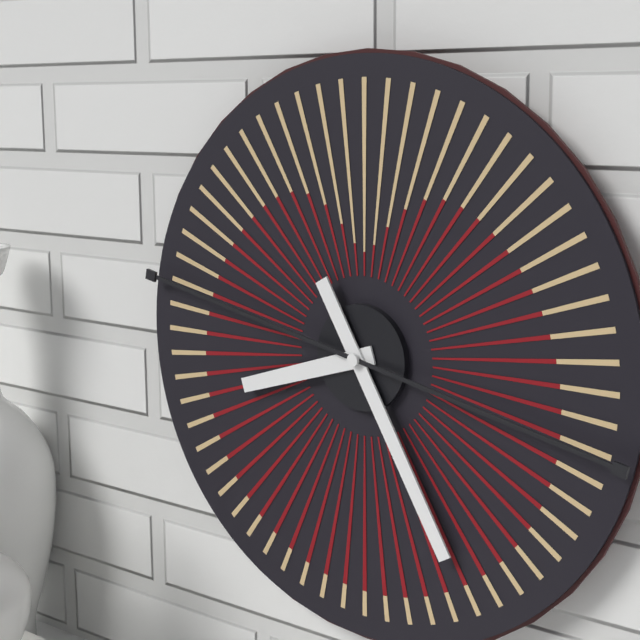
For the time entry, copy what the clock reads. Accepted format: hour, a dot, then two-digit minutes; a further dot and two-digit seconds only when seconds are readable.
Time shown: 8.25
